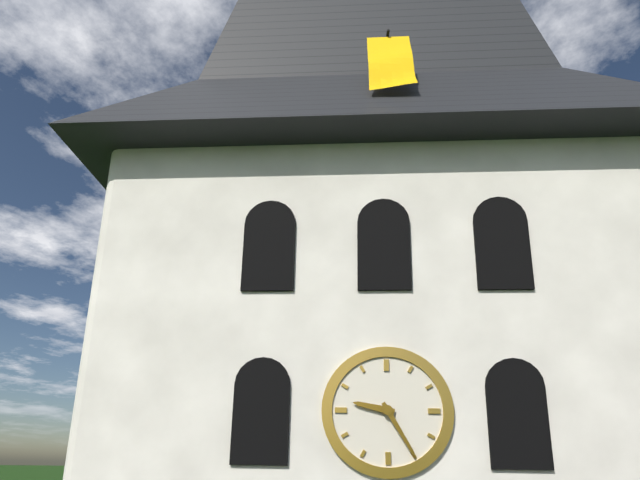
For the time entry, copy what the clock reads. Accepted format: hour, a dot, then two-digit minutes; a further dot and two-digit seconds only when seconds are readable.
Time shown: 9.25
